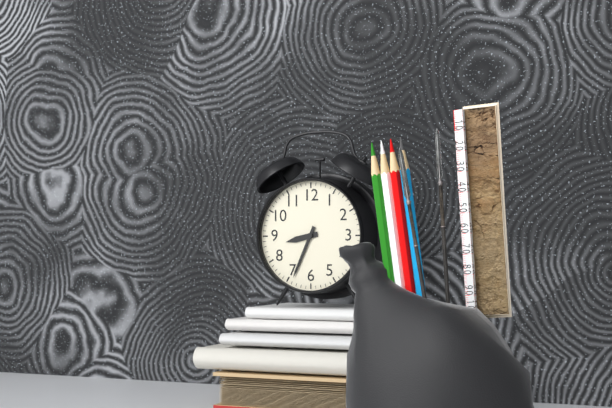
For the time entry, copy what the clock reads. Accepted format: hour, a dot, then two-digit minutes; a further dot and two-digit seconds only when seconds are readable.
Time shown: 8.34
